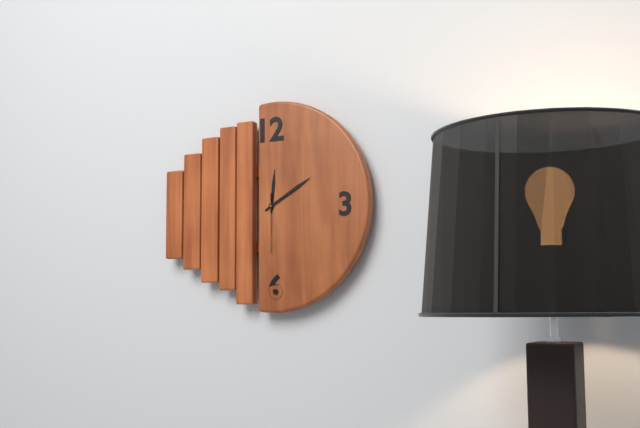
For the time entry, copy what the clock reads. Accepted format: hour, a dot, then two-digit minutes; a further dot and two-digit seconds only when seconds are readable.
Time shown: 12.10.30
